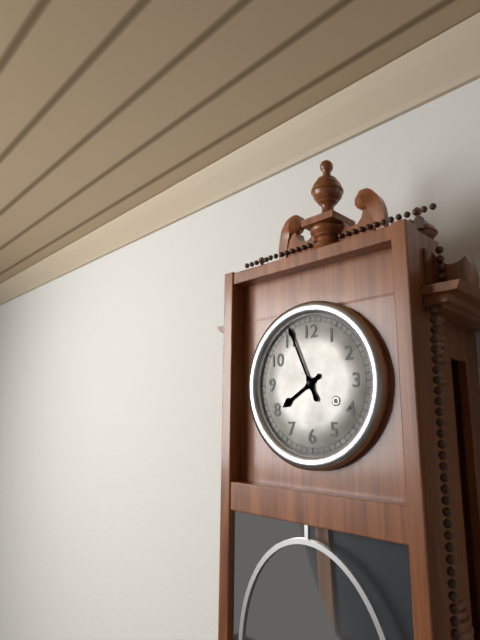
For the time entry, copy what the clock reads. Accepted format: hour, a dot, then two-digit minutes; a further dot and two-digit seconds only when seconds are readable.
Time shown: 7.56
